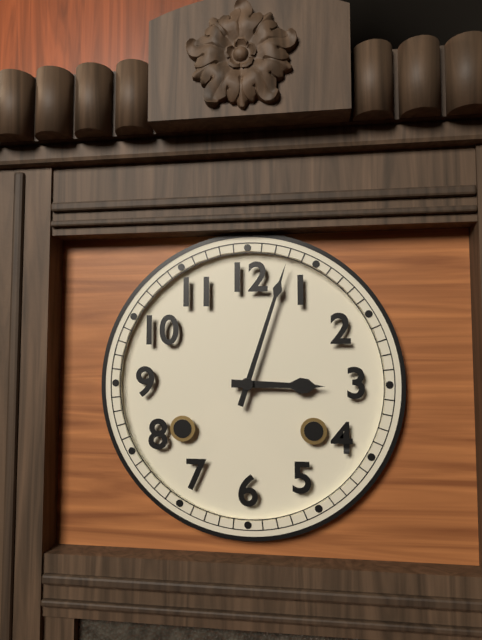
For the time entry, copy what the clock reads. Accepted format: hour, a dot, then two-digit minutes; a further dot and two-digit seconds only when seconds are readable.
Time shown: 3.03
